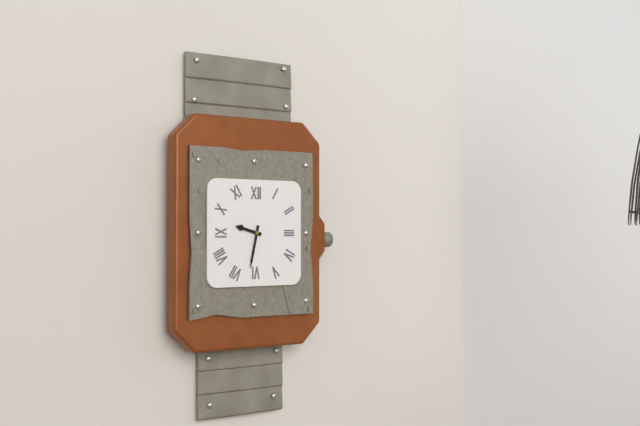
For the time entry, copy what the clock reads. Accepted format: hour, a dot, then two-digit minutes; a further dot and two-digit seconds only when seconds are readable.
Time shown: 9.32
